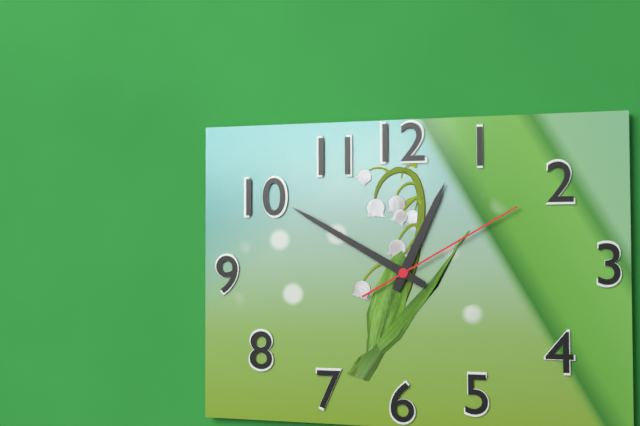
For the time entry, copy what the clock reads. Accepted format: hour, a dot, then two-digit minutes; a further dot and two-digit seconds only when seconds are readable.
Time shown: 12.50.10
